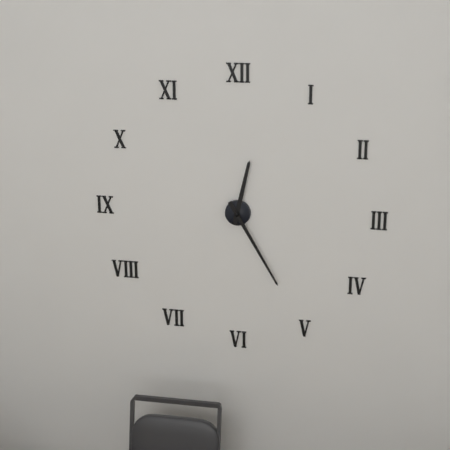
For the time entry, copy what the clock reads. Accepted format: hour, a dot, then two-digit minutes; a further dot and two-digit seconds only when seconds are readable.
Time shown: 12.25
